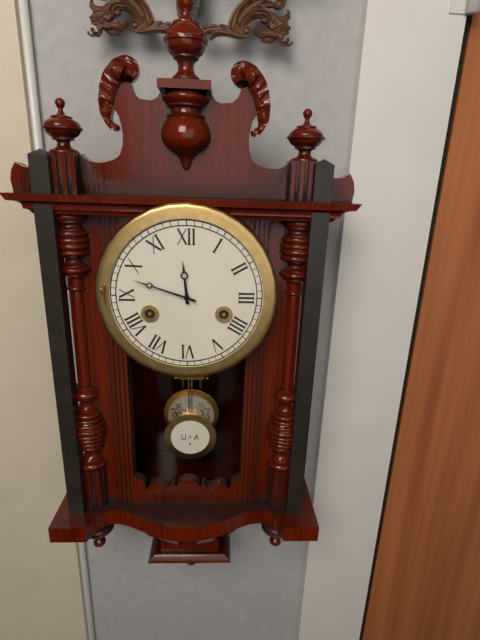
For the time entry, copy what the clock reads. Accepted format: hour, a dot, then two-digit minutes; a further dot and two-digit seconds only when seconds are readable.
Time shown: 11.48
